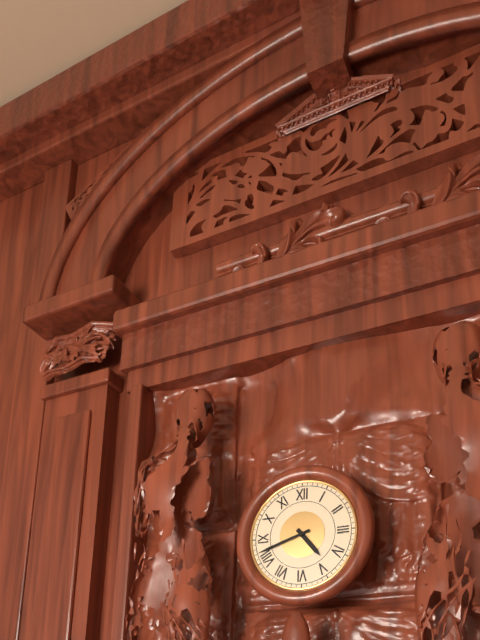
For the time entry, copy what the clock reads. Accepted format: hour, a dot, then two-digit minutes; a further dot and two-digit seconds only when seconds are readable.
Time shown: 4.42
